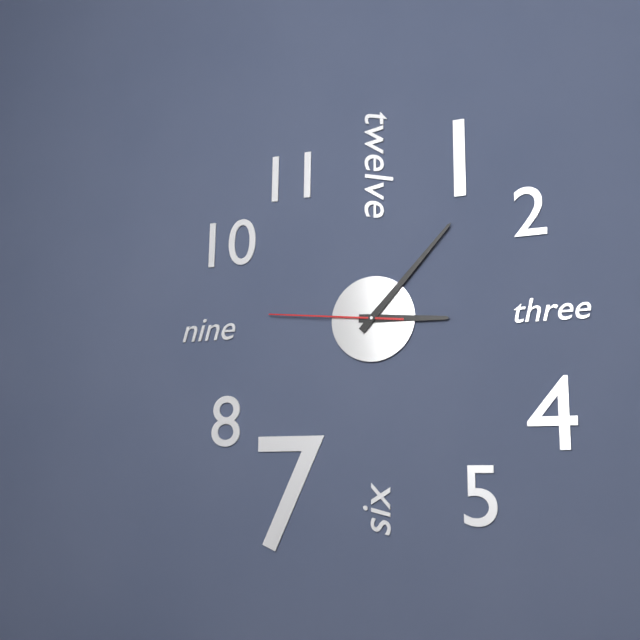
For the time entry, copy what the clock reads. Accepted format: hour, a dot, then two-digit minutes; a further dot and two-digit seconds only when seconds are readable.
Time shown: 3.07.46
